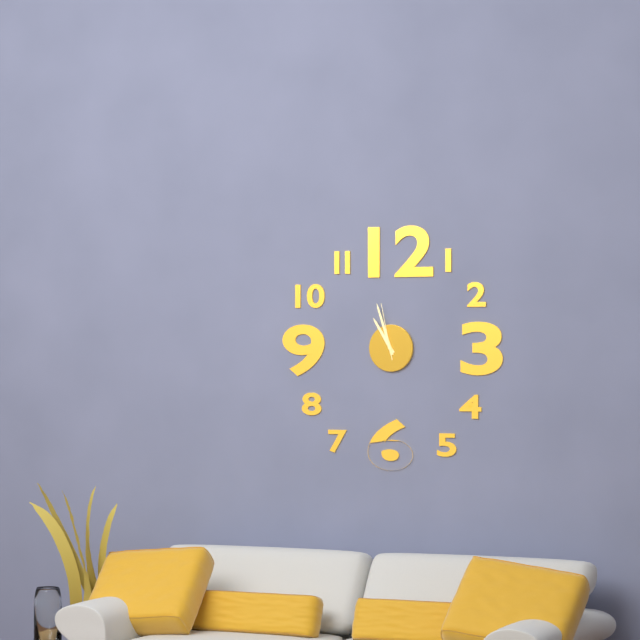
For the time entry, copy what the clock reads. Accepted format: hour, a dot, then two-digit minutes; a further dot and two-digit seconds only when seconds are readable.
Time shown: 10.57.58
